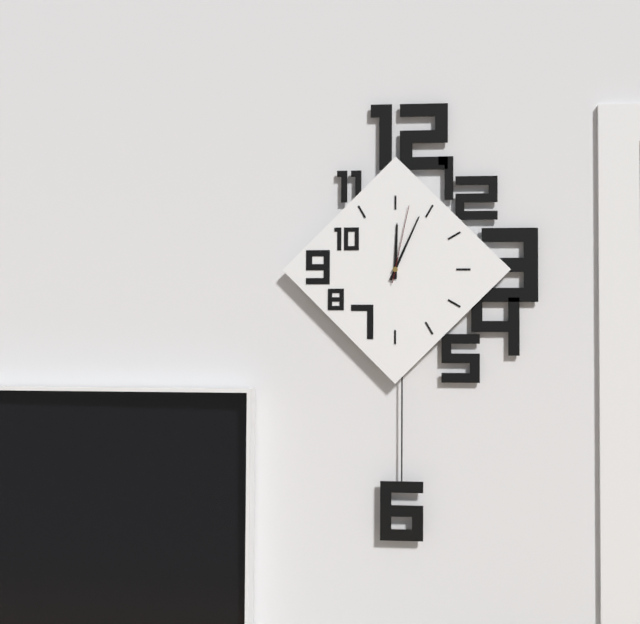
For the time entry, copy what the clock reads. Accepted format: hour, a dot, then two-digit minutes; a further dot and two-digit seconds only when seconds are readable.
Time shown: 12.04.02
